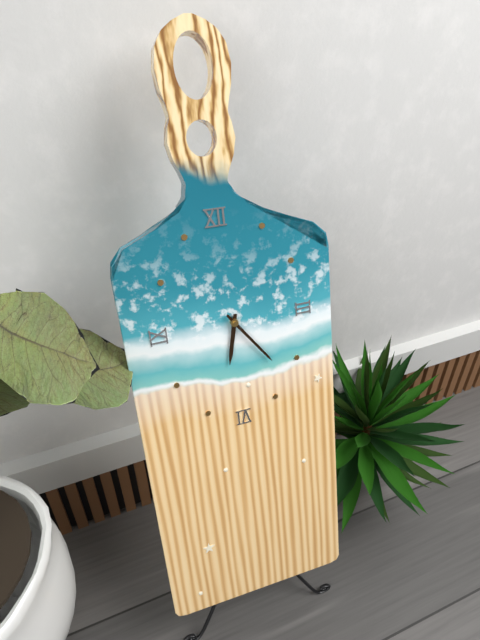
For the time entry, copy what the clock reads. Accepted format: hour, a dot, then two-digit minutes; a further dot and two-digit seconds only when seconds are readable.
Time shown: 6.24
